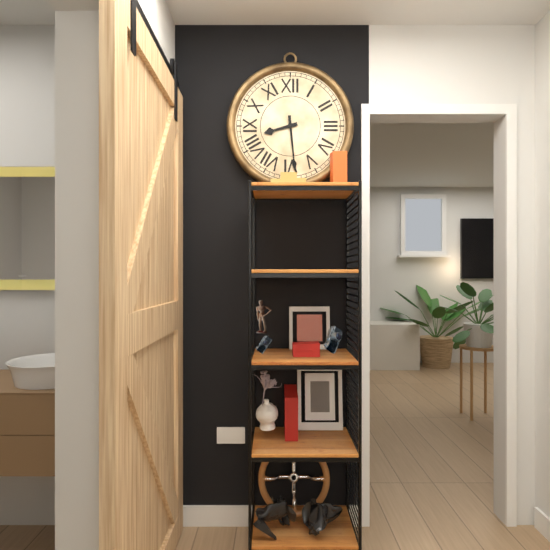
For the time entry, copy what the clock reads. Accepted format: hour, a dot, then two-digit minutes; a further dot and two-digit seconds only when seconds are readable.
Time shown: 8.29
